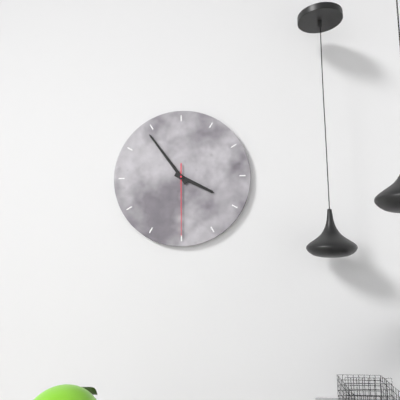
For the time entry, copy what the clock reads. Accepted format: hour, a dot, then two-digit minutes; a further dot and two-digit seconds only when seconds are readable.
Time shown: 3.54.30
